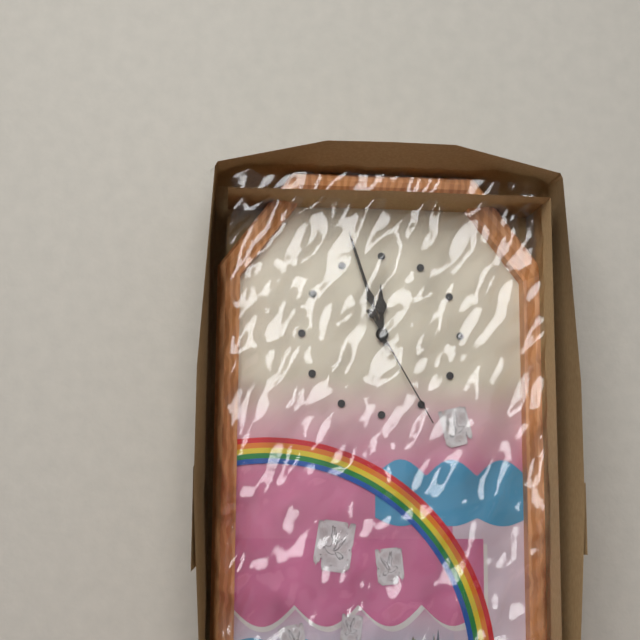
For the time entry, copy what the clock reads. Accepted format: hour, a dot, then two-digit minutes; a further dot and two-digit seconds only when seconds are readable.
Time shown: 11.57.25
